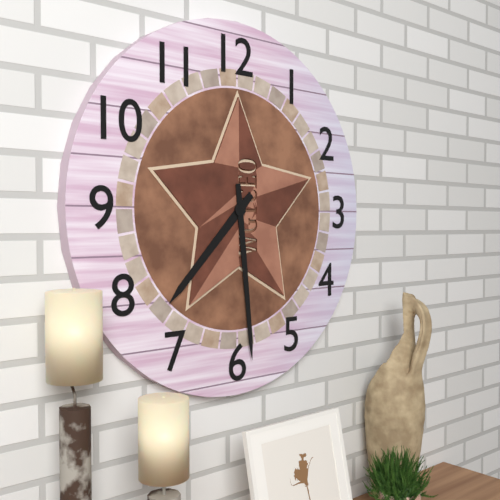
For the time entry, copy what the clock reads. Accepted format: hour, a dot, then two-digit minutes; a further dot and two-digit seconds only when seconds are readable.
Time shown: 7.29
